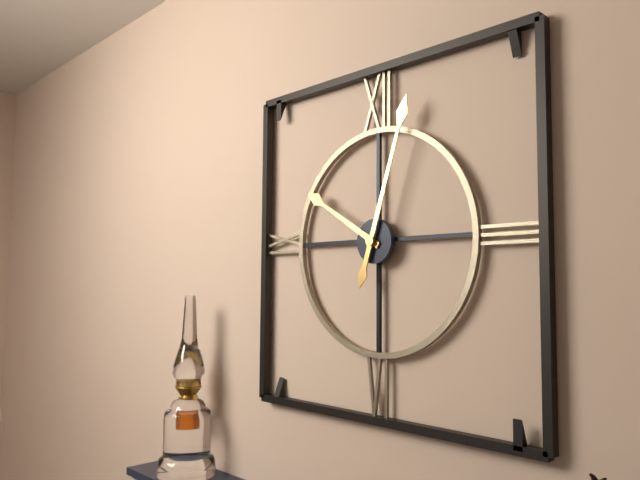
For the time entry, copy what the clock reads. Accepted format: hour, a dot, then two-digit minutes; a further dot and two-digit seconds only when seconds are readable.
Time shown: 10.03
